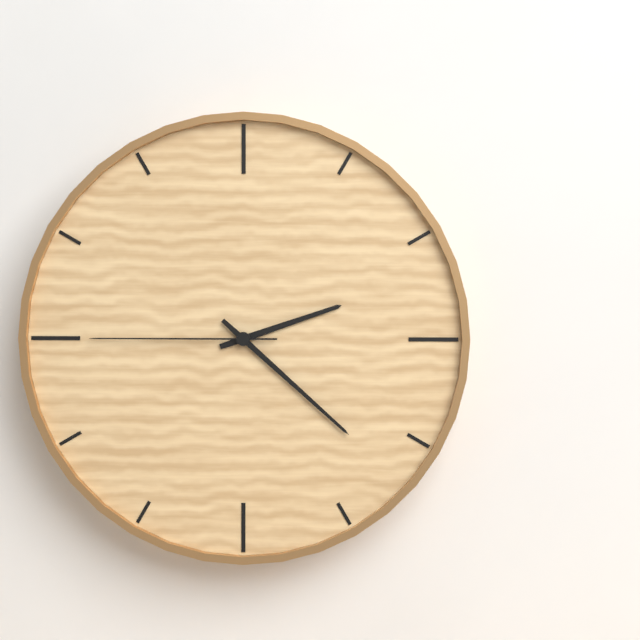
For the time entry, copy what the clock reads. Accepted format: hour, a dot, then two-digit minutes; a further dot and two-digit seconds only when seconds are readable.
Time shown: 2.22.45
